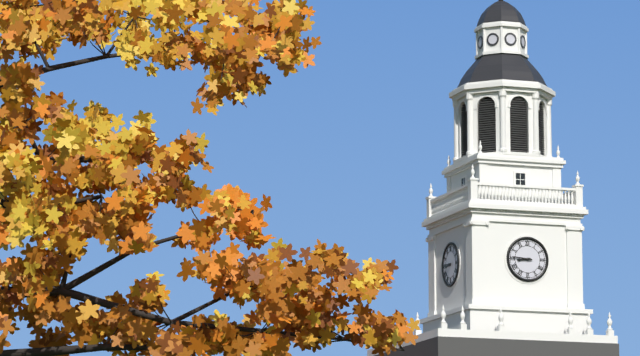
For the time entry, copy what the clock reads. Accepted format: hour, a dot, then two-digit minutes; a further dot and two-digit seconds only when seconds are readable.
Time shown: 8.46
